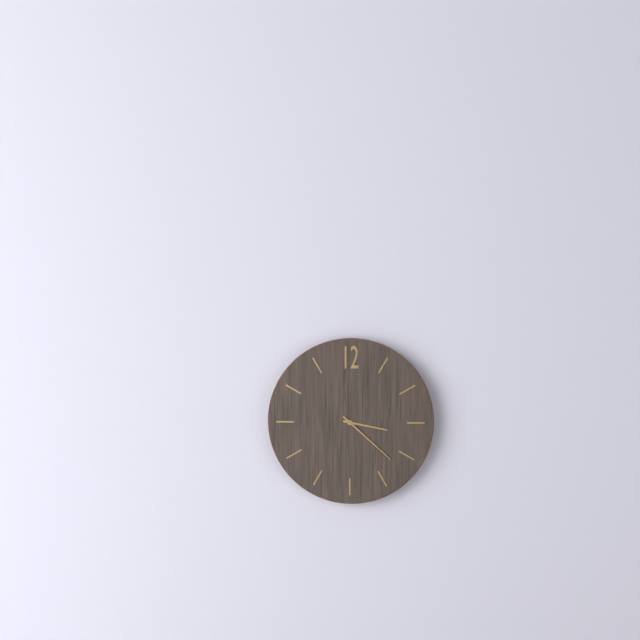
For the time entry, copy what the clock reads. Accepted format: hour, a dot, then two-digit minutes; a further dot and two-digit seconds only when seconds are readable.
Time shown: 3.22
